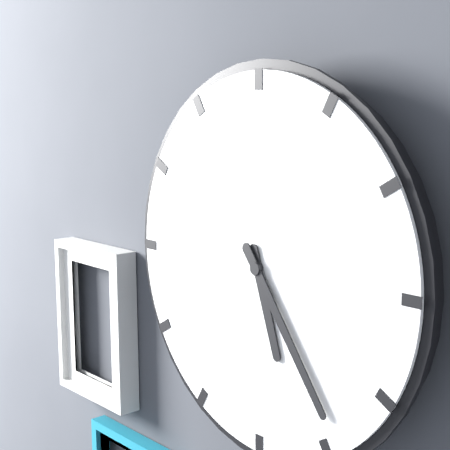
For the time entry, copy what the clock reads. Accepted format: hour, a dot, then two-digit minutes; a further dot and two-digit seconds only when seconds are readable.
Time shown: 5.24
